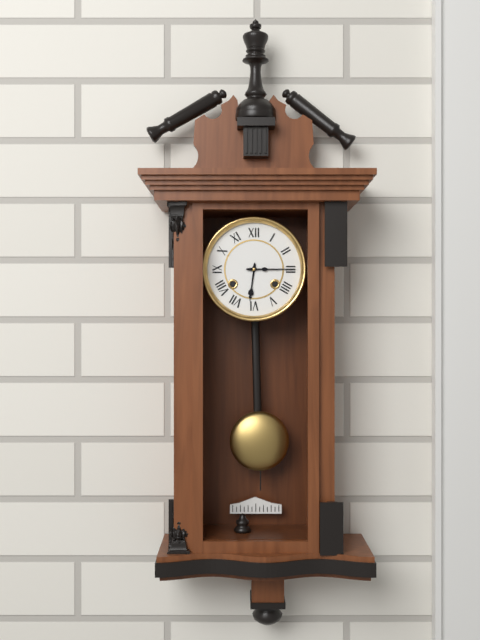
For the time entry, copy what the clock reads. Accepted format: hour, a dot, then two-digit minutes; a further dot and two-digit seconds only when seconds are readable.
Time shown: 6.15
